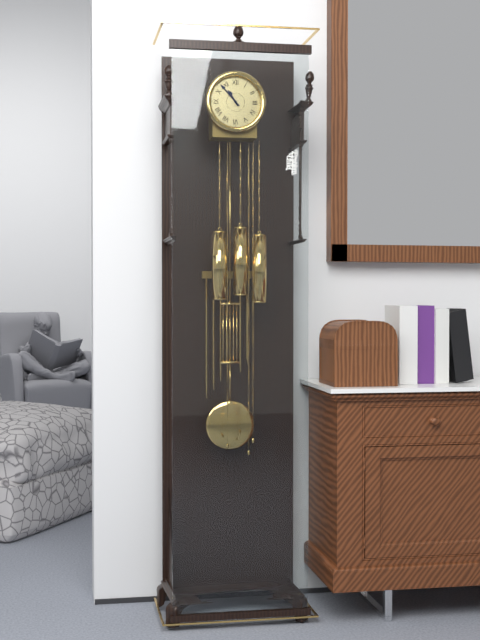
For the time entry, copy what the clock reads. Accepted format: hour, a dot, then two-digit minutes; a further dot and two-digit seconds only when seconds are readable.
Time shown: 10.53
